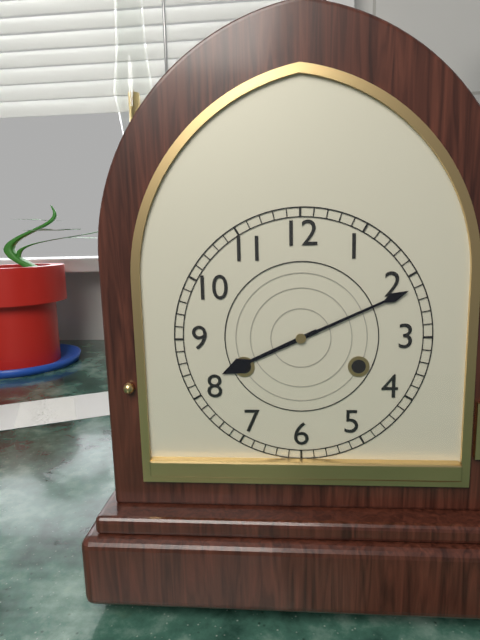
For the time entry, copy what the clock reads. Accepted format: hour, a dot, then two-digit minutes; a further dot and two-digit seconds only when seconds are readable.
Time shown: 8.11
